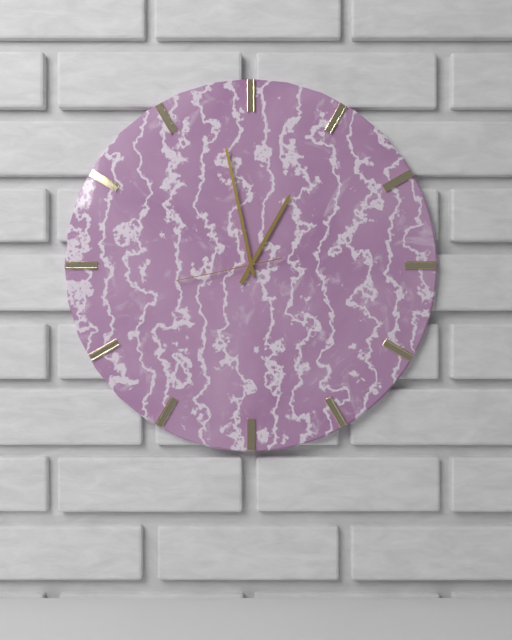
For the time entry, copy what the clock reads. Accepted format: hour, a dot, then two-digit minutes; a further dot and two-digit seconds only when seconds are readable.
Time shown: 12.58.43
